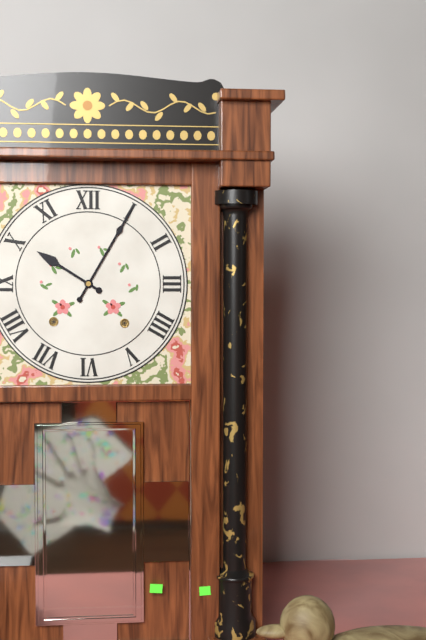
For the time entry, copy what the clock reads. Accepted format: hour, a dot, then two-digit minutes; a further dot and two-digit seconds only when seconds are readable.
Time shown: 10.05
